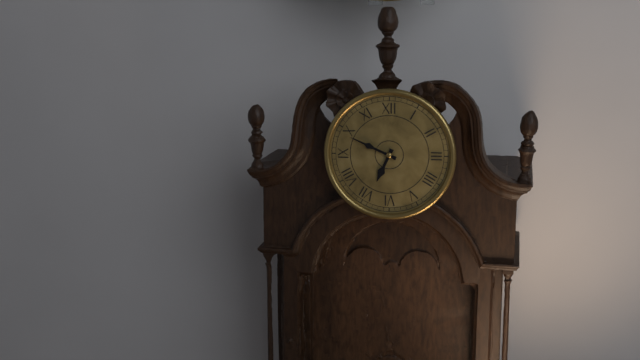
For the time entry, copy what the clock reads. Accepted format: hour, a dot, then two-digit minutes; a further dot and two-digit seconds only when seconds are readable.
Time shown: 6.49
